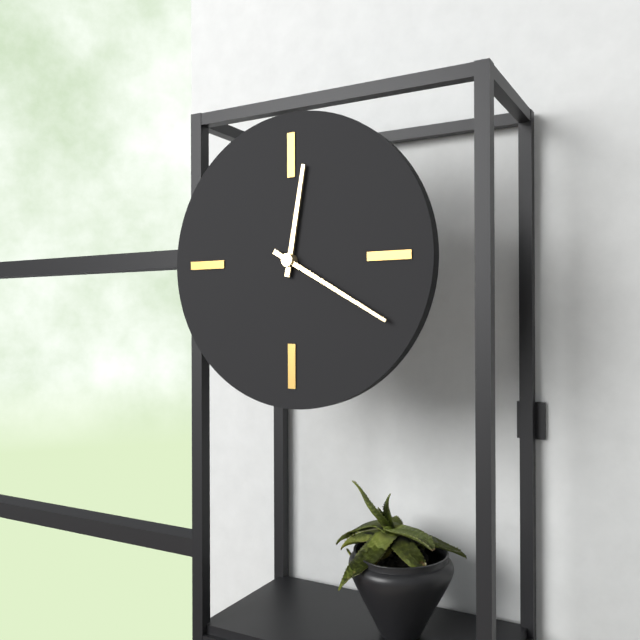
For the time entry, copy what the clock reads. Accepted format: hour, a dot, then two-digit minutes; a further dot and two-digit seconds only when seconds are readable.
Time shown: 12.20
